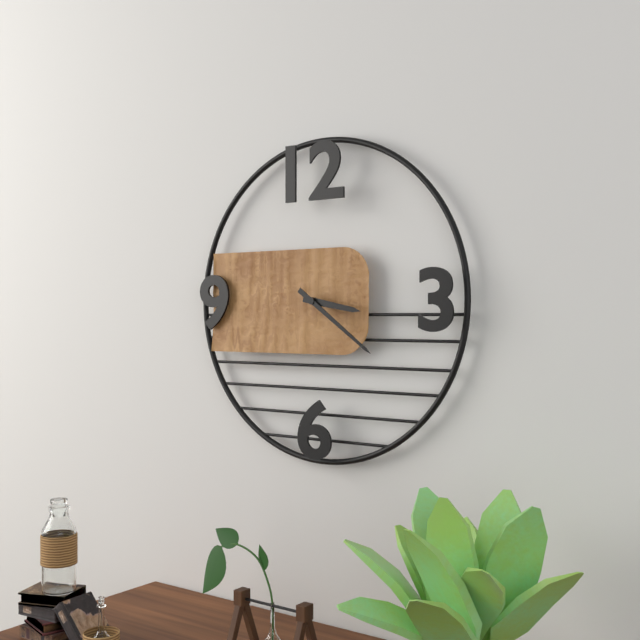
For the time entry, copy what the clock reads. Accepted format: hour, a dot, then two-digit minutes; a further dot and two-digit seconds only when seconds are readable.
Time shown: 3.21
